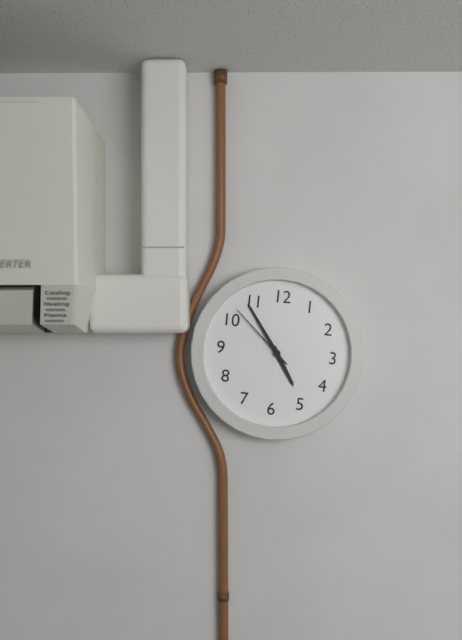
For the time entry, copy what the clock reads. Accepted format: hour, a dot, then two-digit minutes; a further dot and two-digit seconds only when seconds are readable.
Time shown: 4.54.52
